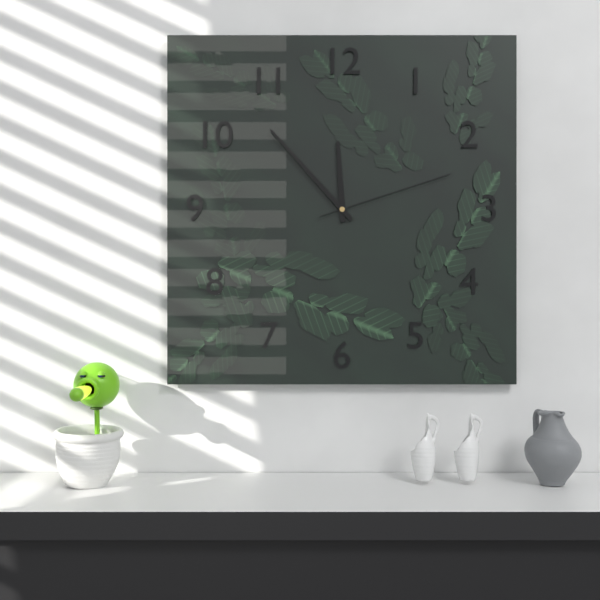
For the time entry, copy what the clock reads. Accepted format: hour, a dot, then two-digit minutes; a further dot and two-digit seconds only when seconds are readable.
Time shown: 11.53.12
